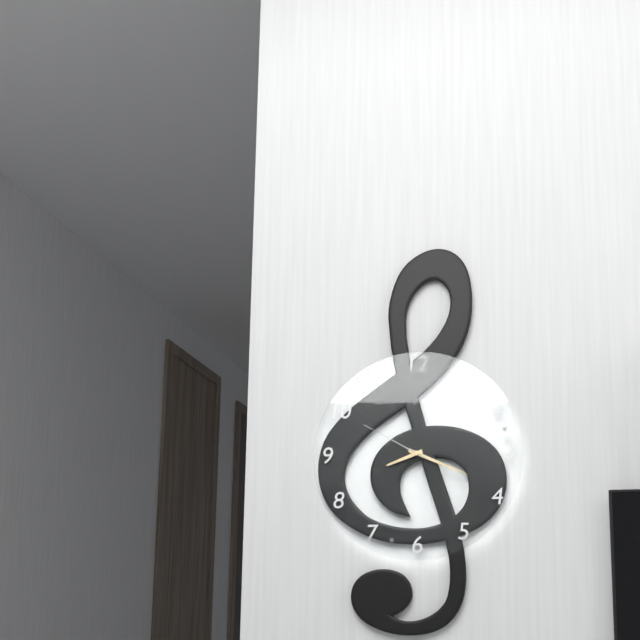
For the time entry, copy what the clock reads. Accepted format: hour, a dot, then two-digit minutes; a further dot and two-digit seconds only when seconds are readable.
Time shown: 8.19.50
